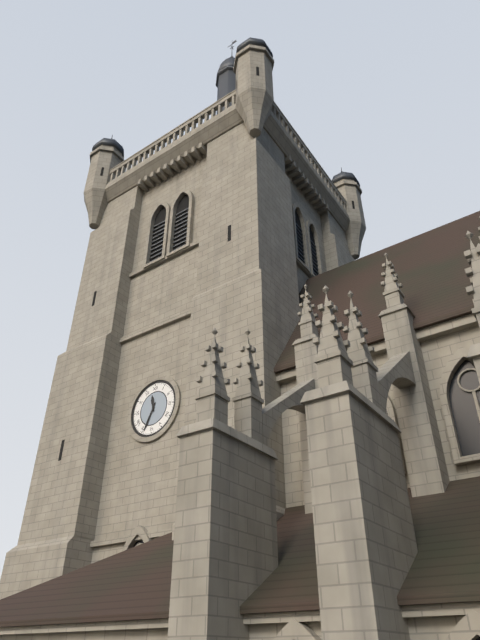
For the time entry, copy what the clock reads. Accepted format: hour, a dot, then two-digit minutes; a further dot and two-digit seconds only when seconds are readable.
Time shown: 11.34
